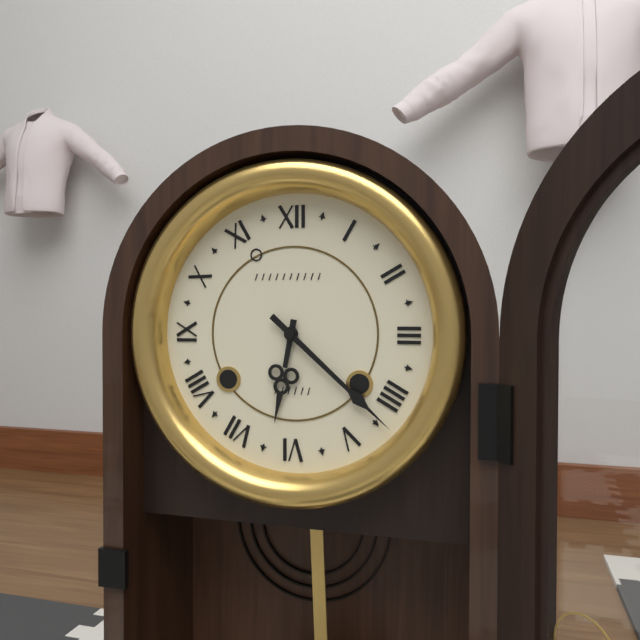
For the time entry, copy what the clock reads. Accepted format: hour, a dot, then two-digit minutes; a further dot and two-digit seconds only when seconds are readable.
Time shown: 6.22
